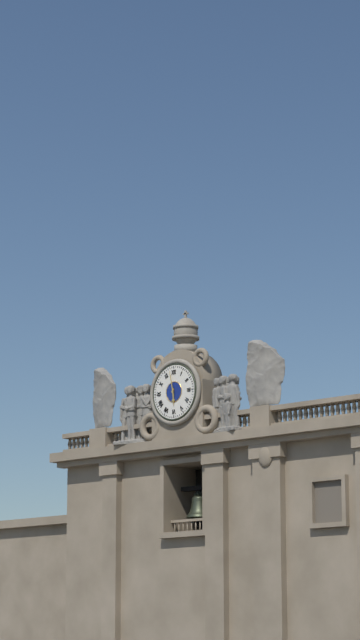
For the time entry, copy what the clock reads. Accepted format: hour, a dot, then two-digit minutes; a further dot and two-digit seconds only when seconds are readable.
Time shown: 5.58
